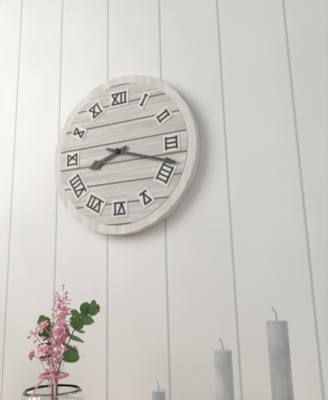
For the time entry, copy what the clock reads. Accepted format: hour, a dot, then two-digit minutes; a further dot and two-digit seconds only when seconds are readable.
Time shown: 8.18
